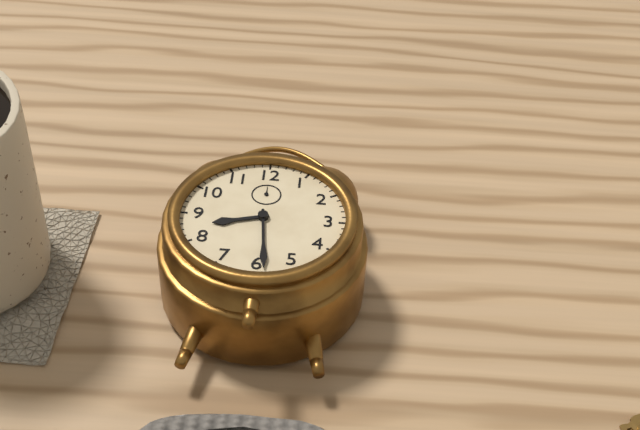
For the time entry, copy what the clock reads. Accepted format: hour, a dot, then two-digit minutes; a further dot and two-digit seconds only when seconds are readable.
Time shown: 8.29
